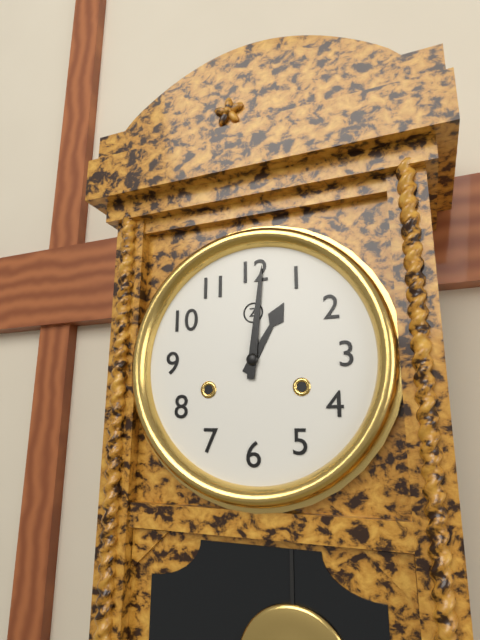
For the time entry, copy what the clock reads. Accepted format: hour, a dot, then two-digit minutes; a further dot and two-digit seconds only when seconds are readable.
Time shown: 1.01
